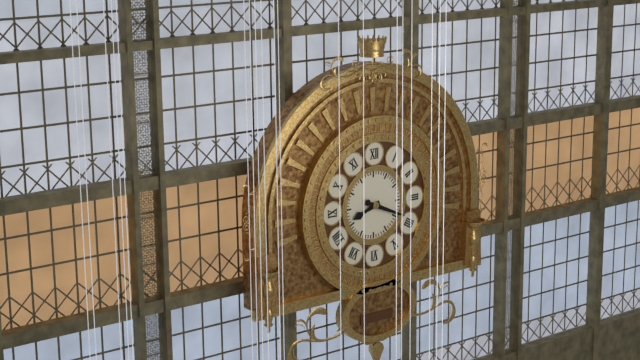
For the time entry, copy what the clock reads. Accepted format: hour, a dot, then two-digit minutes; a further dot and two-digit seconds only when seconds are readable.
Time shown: 8.19
